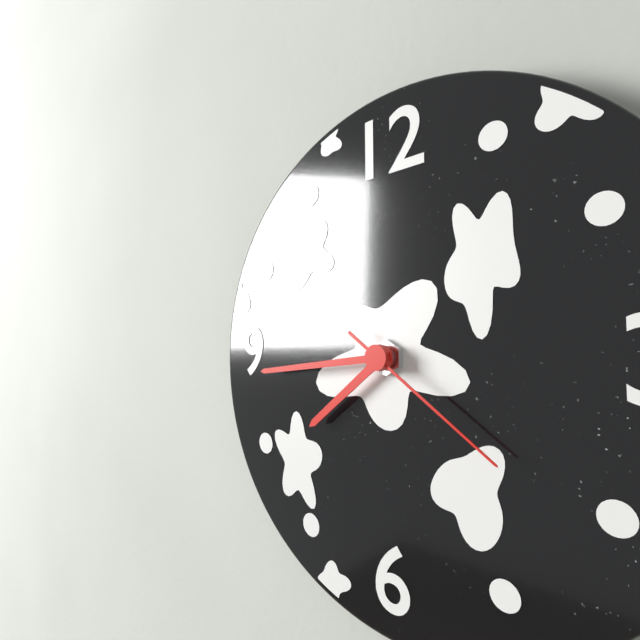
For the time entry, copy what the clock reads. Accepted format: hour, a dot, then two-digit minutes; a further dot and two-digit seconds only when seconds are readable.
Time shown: 7.44.21
